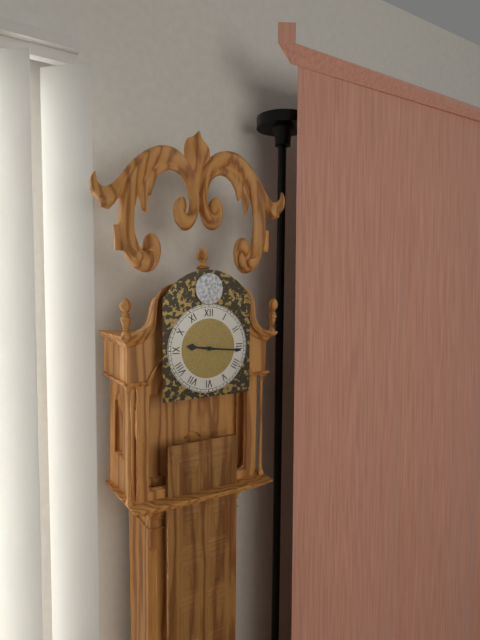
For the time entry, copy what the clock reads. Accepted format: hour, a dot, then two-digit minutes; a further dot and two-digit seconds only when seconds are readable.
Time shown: 9.16
